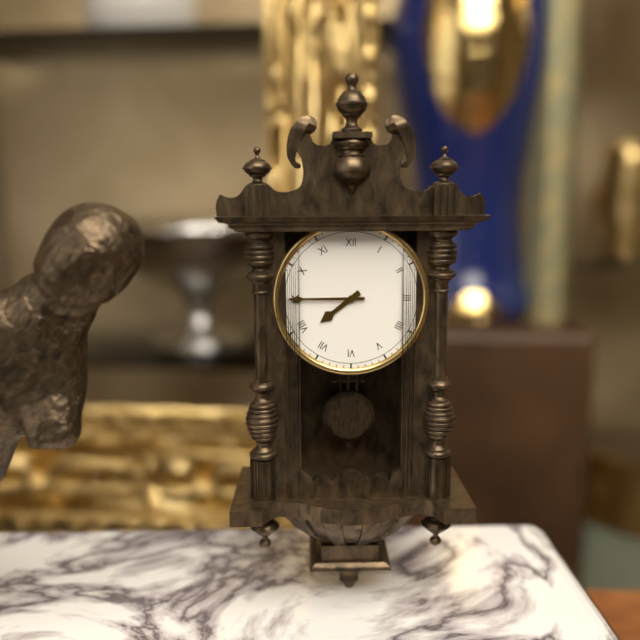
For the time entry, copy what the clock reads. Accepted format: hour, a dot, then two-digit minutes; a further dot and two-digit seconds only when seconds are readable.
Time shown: 7.45
